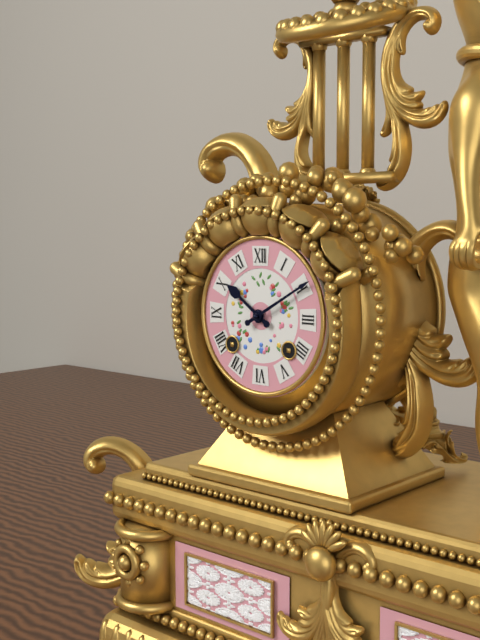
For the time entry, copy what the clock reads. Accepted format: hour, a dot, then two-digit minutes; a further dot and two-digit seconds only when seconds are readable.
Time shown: 10.10
